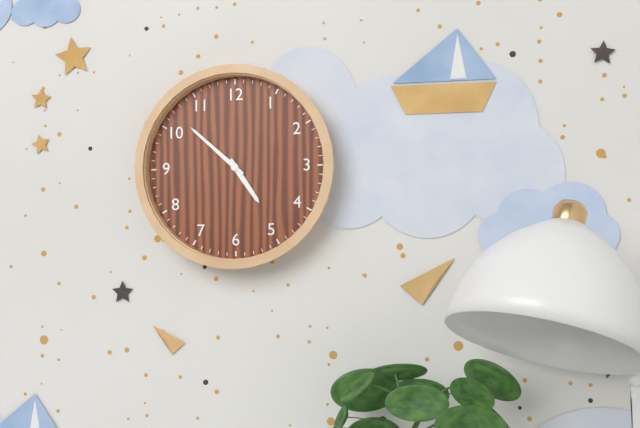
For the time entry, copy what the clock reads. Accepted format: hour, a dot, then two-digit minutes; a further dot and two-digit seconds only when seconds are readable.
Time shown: 4.52
